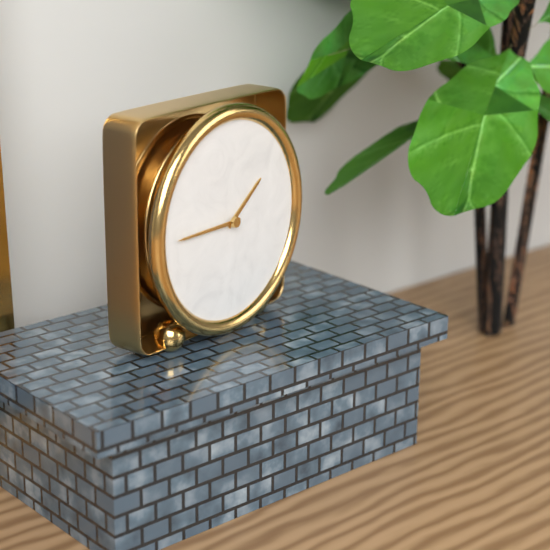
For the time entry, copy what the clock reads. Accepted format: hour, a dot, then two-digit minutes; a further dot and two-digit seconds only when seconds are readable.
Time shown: 1.45
